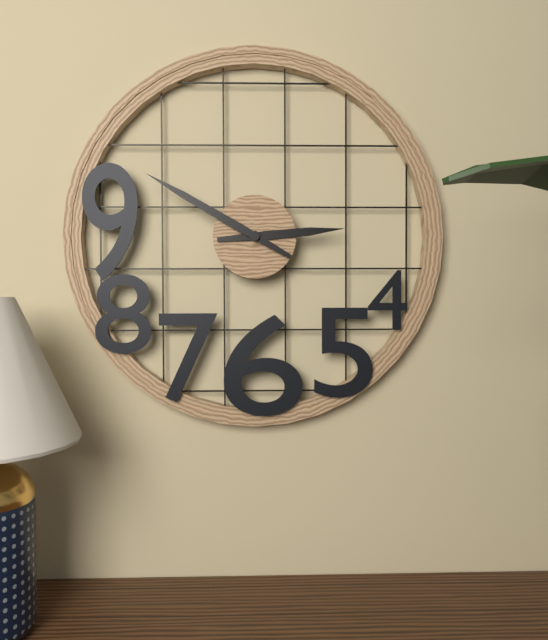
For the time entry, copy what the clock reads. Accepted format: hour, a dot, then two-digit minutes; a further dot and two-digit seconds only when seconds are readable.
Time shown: 2.50
